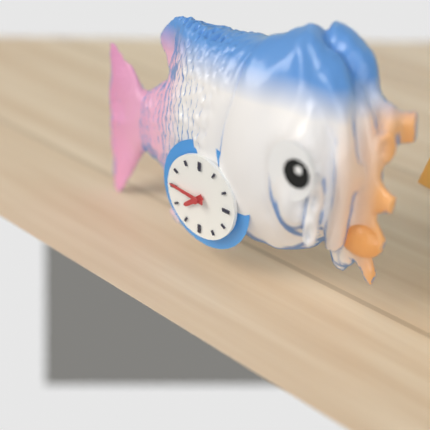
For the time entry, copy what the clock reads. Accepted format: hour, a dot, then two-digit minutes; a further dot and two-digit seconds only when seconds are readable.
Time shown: 7.46
